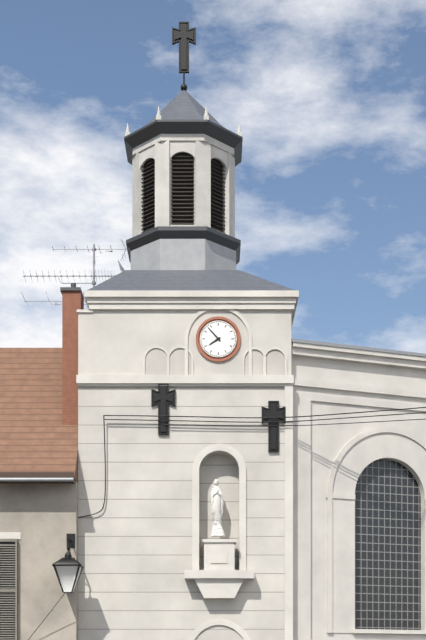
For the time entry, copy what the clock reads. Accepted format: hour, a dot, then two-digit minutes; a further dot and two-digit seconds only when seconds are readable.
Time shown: 7.53
